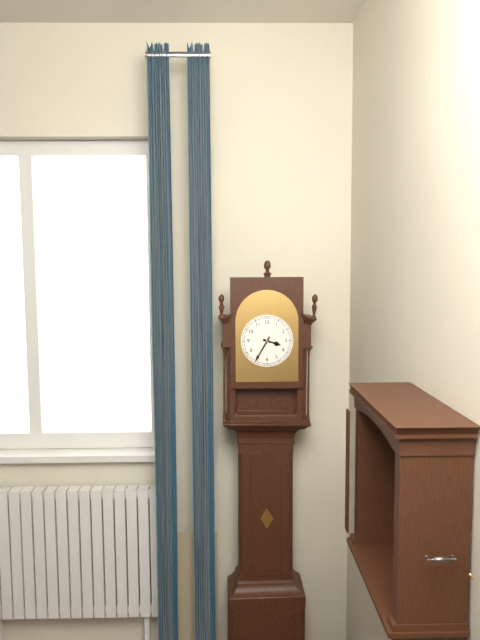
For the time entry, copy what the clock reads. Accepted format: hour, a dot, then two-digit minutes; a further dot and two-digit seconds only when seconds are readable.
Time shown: 3.35
